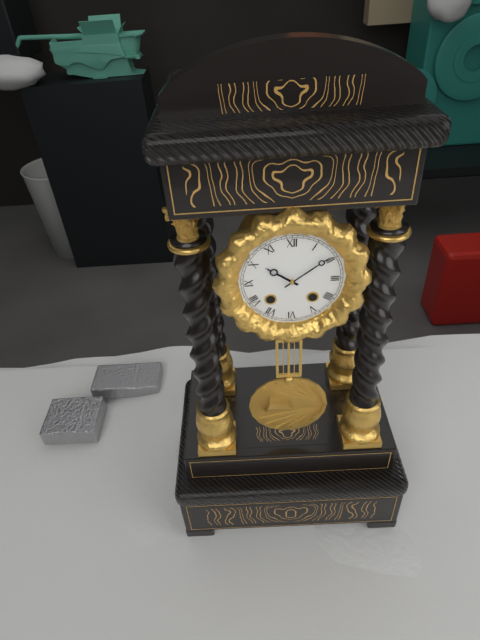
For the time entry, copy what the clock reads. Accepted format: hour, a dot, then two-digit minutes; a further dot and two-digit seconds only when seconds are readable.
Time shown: 10.09
